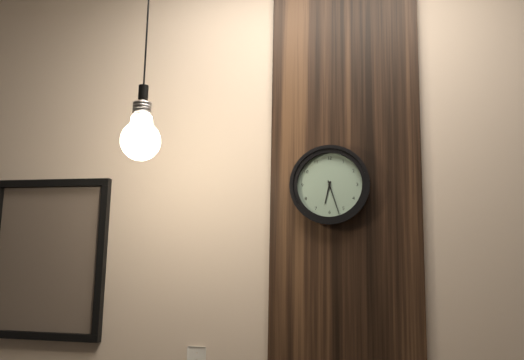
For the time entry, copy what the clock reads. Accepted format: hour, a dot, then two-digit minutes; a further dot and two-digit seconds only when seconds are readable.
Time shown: 6.27
